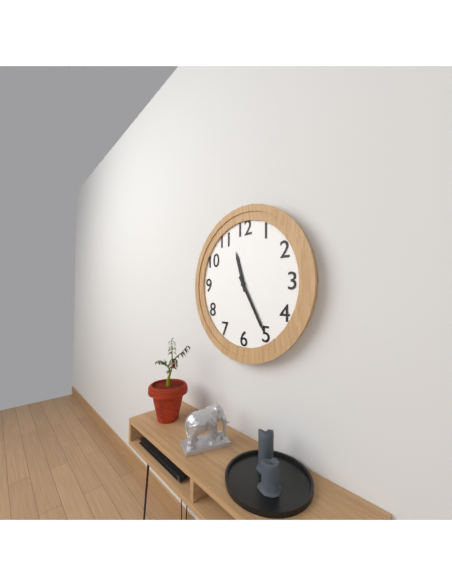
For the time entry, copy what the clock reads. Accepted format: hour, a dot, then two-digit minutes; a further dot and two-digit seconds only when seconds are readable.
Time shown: 11.25
